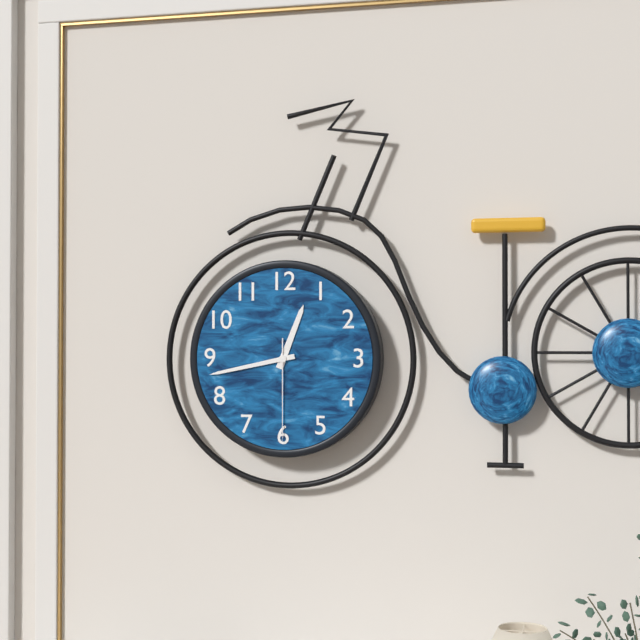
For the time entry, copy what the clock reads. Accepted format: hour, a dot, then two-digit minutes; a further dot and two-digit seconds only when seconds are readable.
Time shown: 12.43.30
